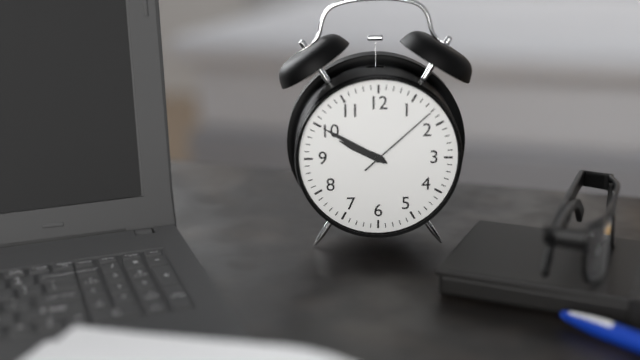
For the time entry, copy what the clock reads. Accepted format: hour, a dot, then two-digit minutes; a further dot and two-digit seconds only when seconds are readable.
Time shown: 9.50.08
